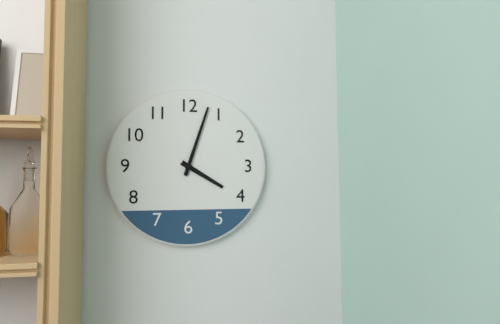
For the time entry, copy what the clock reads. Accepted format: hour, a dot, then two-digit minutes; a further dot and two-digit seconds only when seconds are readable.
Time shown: 4.03
